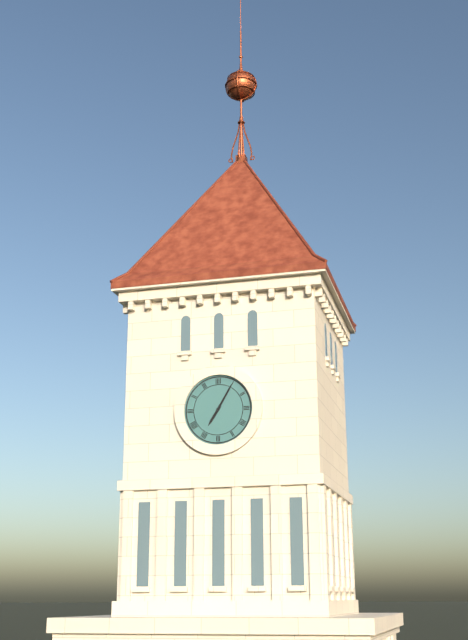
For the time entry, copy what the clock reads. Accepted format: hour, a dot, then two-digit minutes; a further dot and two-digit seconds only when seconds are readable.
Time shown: 7.05
